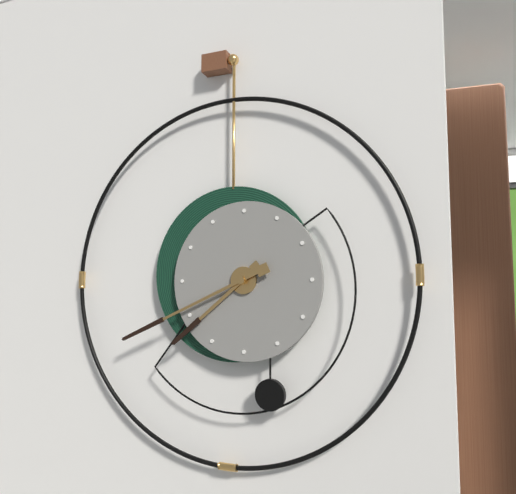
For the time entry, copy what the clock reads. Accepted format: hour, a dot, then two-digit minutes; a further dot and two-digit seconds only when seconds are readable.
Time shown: 7.41
